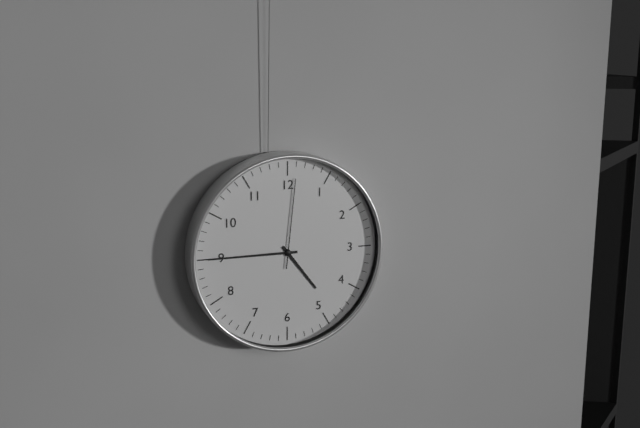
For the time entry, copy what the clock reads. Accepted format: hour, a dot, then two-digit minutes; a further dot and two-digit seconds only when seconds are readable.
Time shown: 4.45.01
